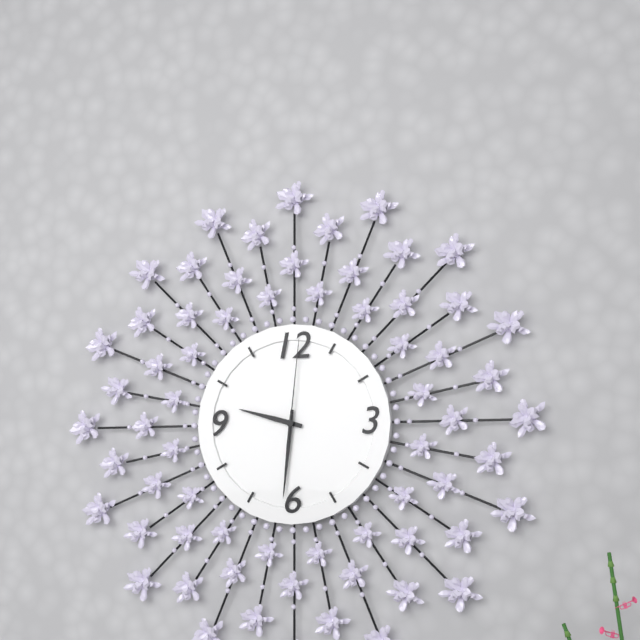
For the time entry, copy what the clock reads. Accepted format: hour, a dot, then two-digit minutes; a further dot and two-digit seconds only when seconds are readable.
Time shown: 9.31.01
